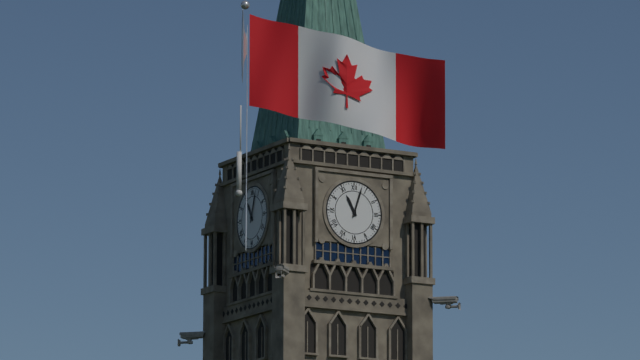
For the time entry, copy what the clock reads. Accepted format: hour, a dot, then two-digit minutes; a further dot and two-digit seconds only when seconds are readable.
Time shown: 11.03
